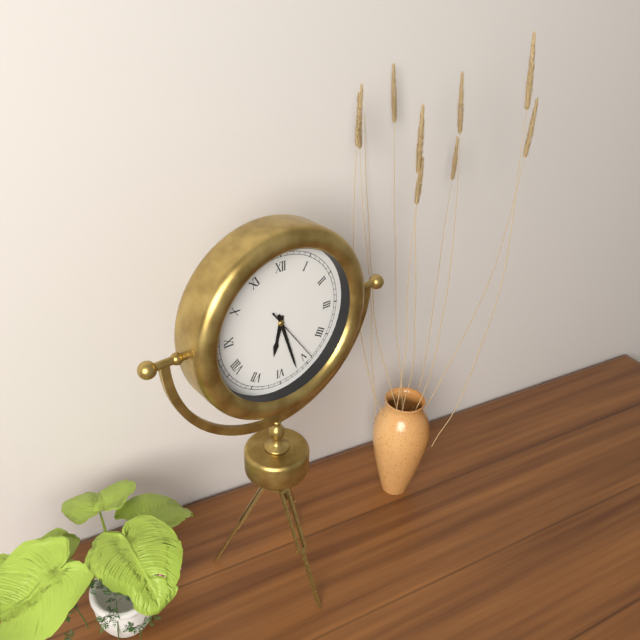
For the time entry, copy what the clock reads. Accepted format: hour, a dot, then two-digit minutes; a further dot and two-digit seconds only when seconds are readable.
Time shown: 6.27.24
